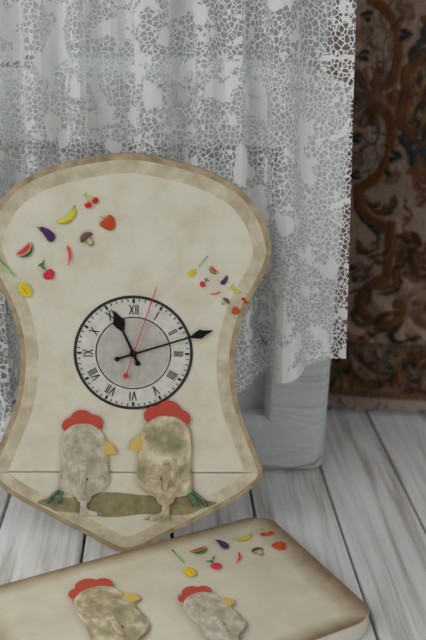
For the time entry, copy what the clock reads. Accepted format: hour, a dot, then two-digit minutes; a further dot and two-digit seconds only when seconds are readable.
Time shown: 11.12.03
